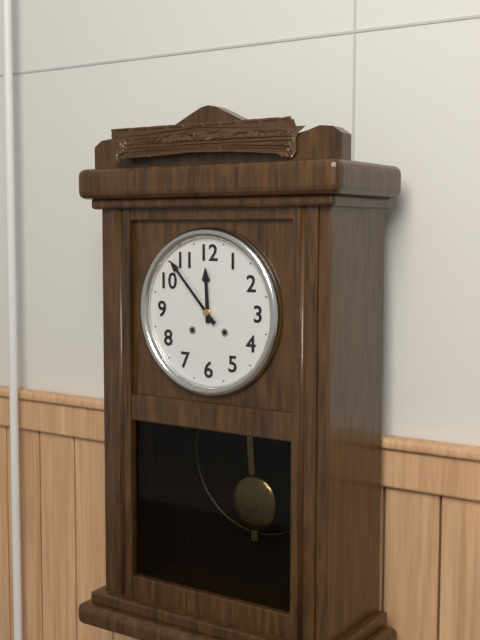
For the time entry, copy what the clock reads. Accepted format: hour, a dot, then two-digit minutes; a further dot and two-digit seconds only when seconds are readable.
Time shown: 11.53
